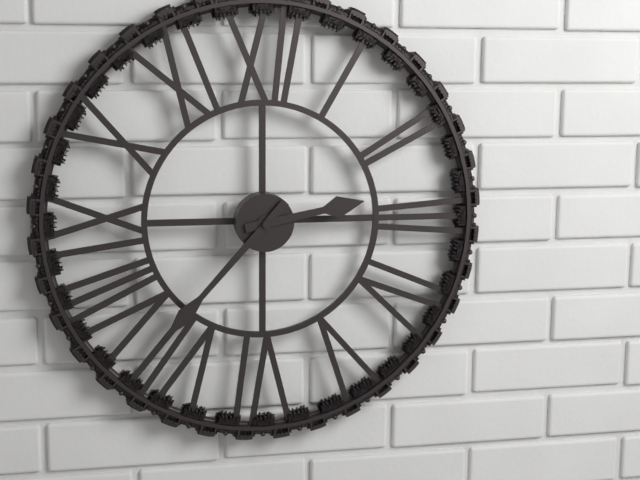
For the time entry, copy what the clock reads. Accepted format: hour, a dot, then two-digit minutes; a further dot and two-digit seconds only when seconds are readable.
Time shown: 2.37
